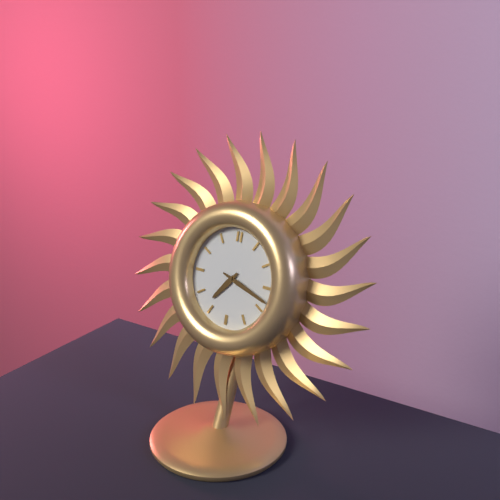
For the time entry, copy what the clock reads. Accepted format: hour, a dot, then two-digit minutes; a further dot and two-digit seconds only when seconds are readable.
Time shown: 7.18
